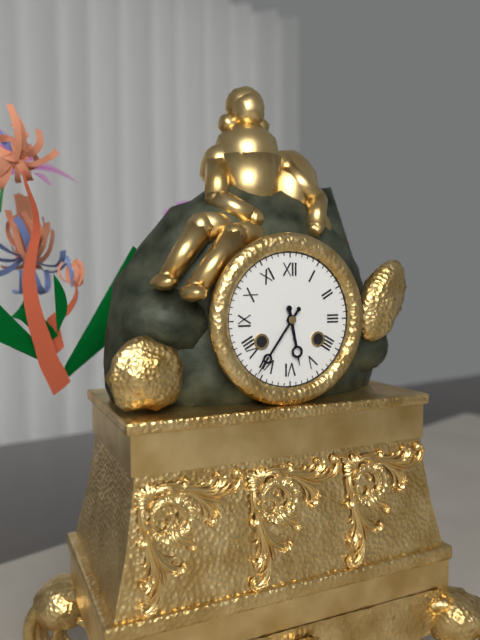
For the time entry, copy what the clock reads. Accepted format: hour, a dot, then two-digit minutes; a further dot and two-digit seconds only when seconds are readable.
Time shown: 5.36
